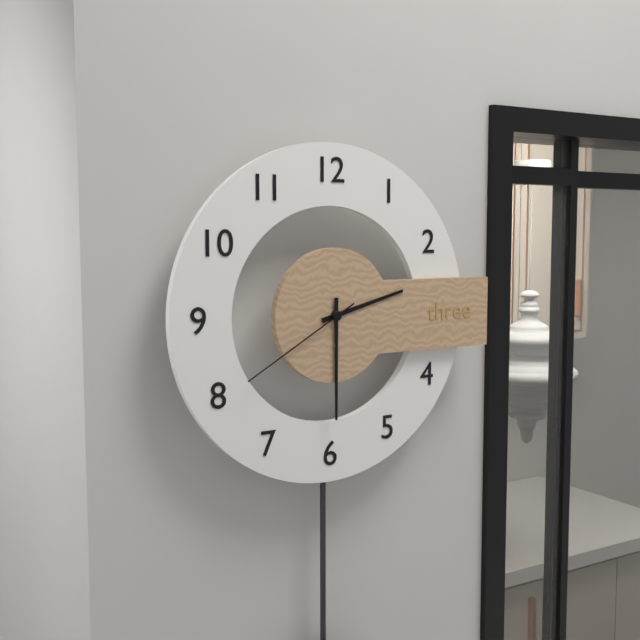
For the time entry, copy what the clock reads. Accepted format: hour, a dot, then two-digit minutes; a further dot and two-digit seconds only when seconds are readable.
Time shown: 2.30.40
